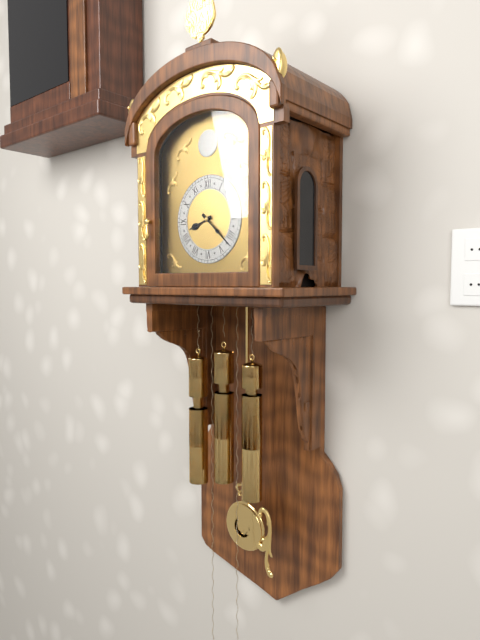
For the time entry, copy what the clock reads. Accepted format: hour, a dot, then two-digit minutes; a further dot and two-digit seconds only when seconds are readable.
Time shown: 8.22
